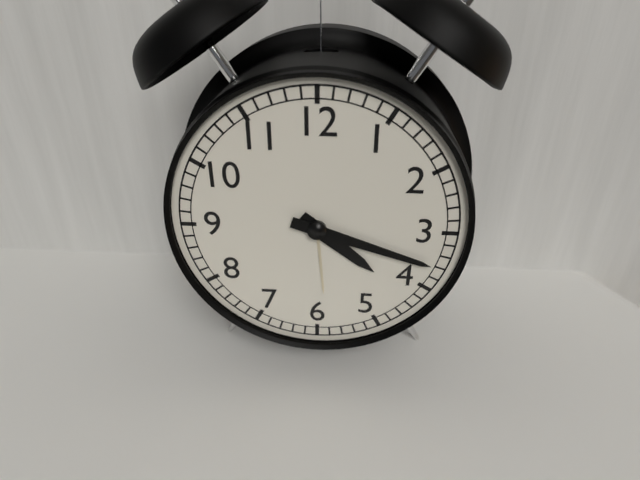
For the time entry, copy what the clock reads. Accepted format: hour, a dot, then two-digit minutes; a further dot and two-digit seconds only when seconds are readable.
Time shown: 4.18
